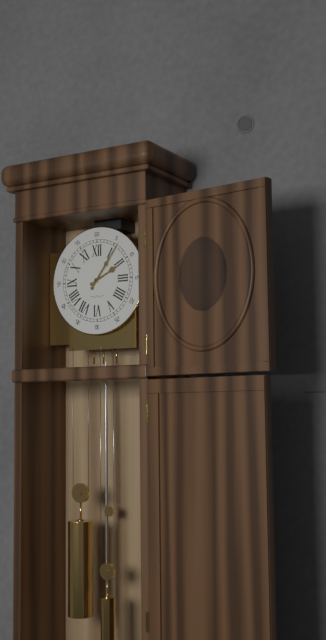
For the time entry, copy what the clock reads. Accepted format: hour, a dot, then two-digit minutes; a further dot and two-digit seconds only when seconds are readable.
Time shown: 2.06
